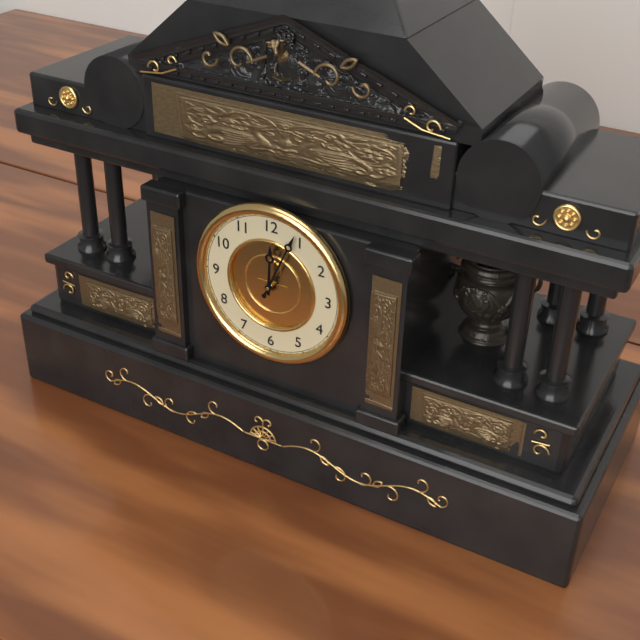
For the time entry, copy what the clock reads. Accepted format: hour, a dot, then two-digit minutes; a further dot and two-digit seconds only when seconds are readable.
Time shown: 12.04
